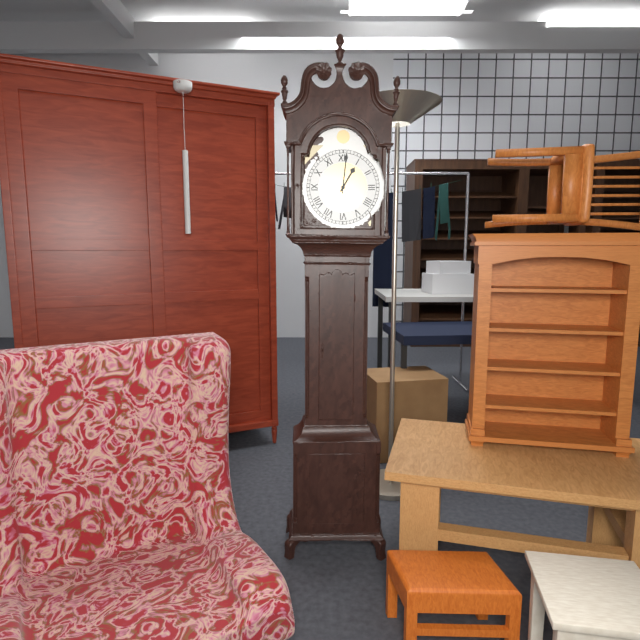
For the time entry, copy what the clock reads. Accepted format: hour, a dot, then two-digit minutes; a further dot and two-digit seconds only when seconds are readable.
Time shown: 1.01
